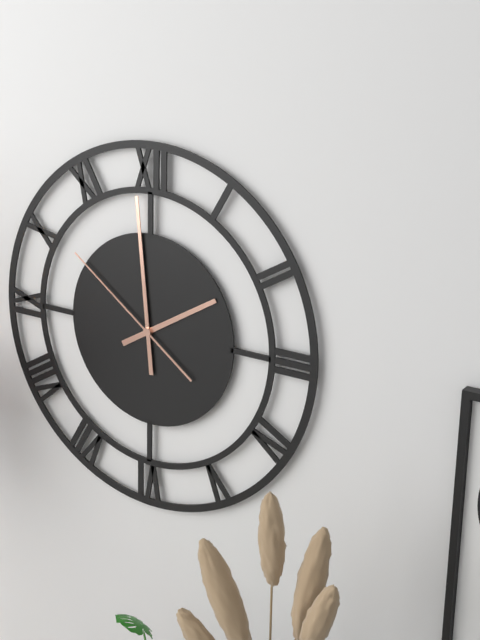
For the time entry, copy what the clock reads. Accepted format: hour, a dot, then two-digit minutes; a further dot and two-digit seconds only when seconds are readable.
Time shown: 1.59.51
